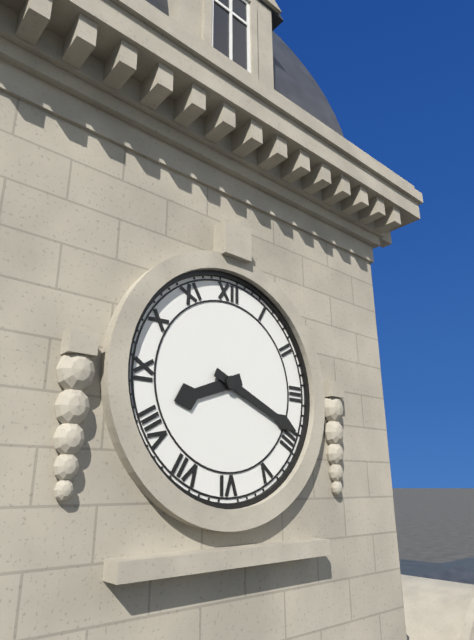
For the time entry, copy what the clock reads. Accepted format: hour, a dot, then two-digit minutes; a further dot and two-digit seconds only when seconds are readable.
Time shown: 8.19
